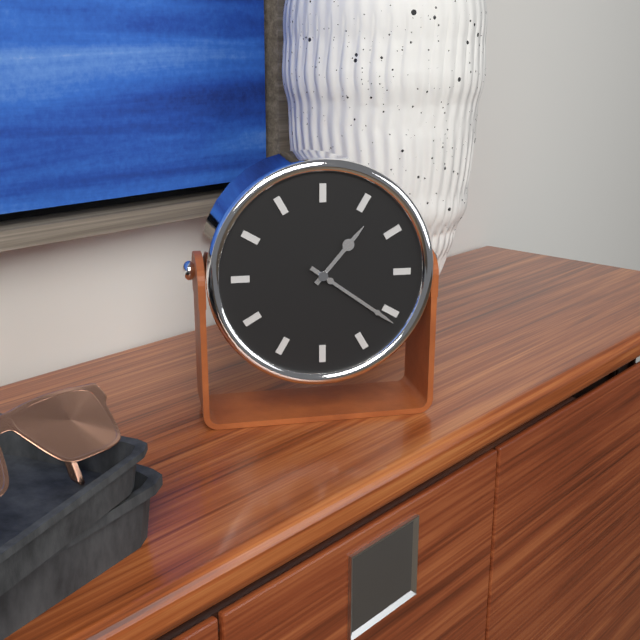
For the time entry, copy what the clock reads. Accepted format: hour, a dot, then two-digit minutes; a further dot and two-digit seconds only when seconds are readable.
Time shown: 1.21
